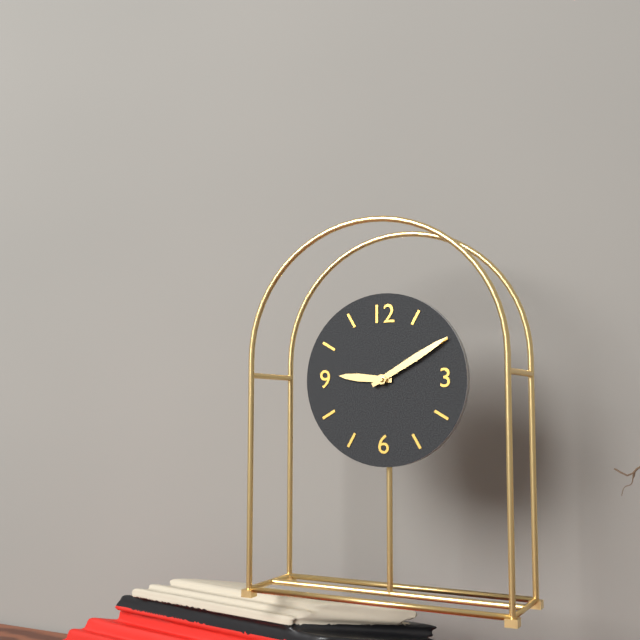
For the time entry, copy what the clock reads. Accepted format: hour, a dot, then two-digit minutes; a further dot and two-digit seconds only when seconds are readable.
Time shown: 9.10
